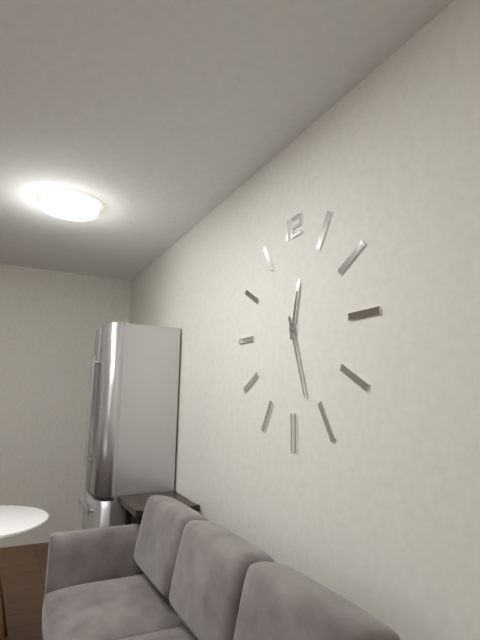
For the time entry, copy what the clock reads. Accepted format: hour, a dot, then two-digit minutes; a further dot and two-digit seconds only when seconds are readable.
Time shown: 12.27
